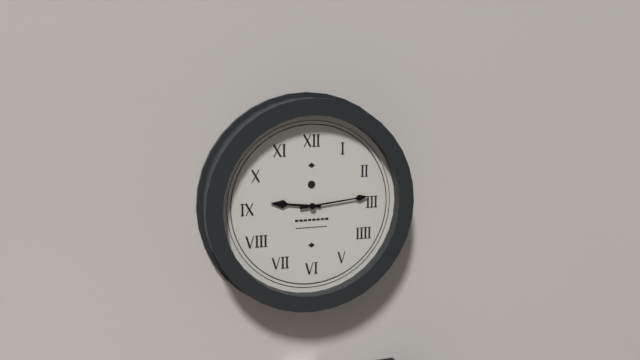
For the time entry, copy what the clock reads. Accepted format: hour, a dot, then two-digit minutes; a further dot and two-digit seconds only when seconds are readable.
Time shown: 9.14
